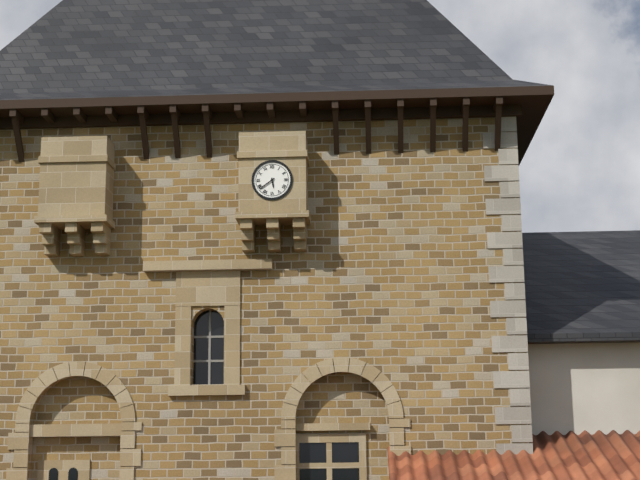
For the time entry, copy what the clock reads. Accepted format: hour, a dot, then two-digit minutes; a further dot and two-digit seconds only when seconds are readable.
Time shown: 5.39
